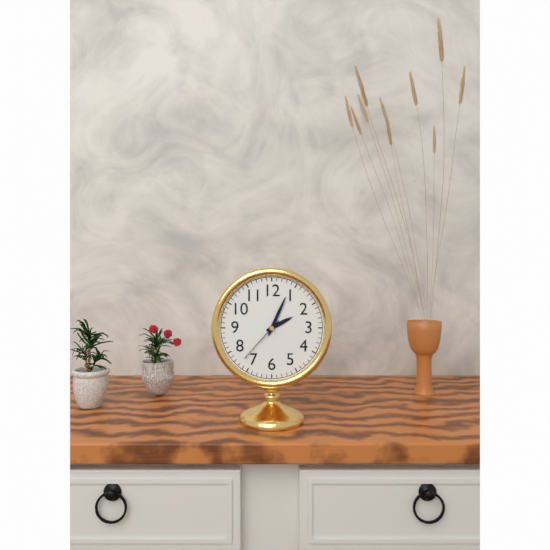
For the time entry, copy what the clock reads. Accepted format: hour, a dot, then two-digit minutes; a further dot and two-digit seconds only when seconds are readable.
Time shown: 2.04.37
